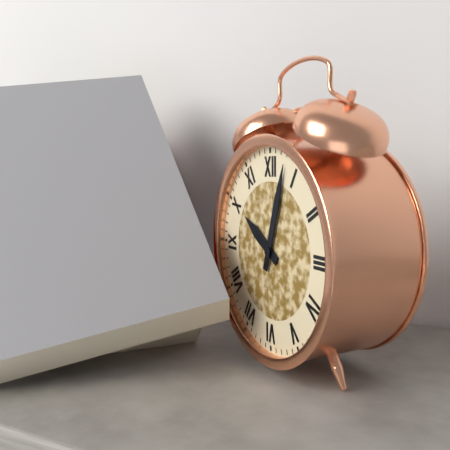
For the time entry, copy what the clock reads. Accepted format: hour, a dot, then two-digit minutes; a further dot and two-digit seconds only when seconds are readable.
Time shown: 10.03
